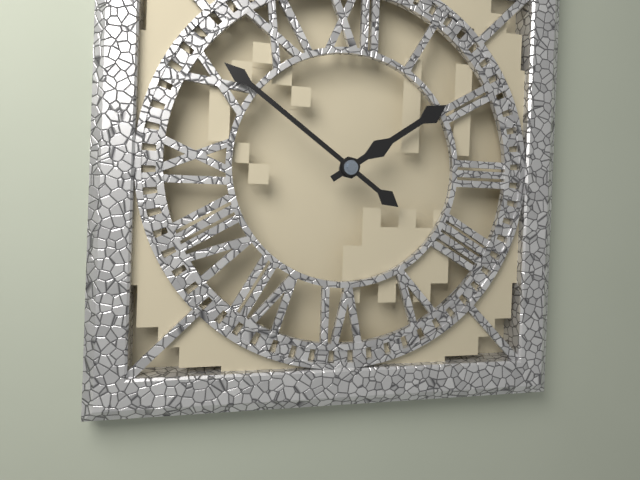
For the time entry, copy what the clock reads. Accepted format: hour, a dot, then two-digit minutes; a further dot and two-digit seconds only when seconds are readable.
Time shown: 1.51
